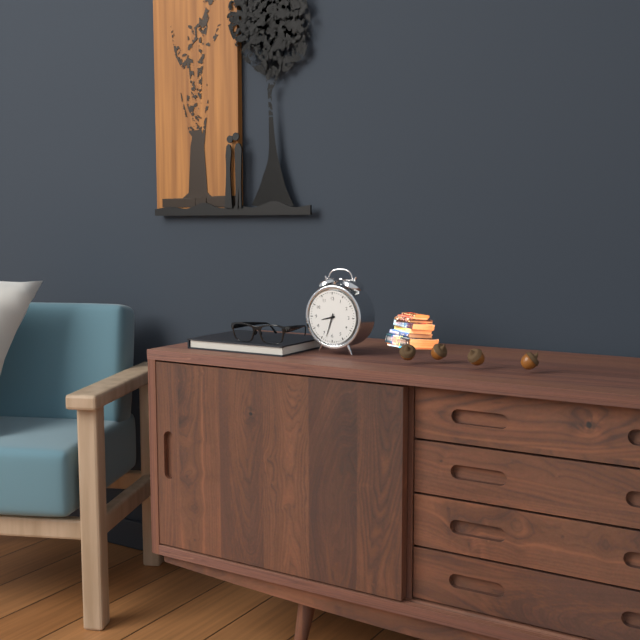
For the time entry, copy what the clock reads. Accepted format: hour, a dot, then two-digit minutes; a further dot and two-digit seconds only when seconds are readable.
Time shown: 8.33
